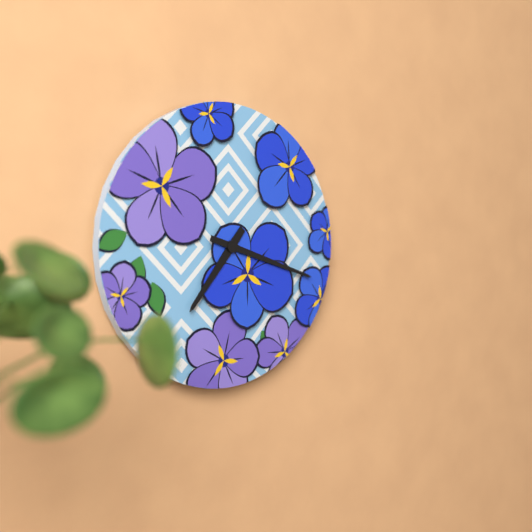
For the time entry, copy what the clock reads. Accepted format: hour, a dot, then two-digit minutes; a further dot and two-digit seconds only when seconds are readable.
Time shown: 7.18
